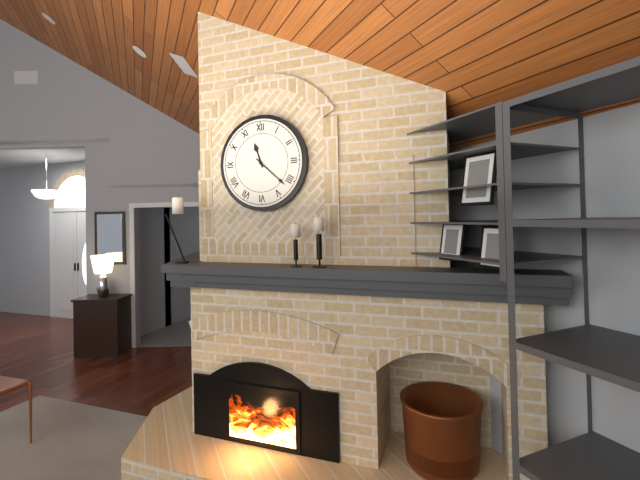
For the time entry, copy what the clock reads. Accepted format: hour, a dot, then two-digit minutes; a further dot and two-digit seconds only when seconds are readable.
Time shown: 11.22
